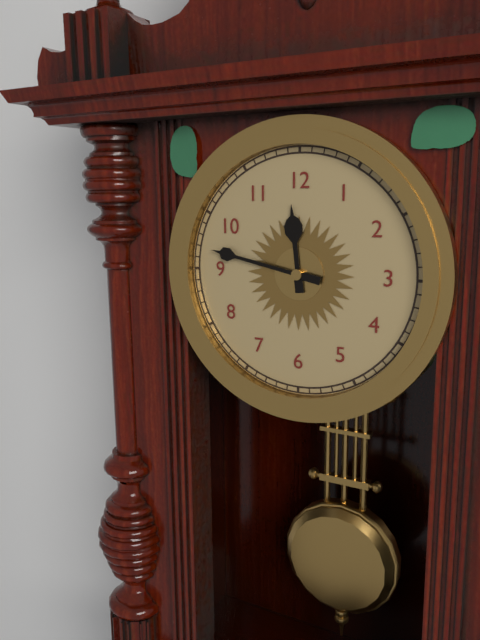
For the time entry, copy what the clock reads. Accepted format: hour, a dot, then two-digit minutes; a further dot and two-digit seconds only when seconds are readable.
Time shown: 11.47
